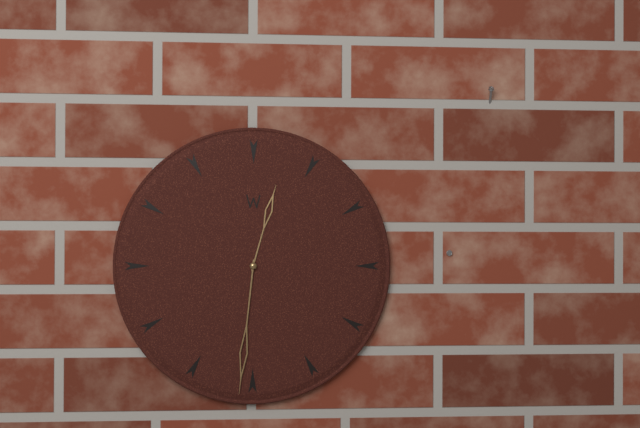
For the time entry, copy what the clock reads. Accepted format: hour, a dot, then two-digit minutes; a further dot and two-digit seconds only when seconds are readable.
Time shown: 12.31
